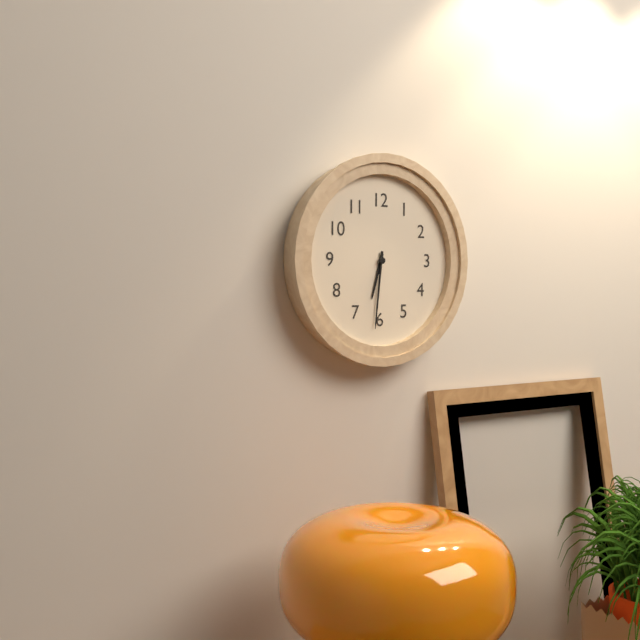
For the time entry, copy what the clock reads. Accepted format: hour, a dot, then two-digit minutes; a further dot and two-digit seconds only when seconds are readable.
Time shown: 6.31
